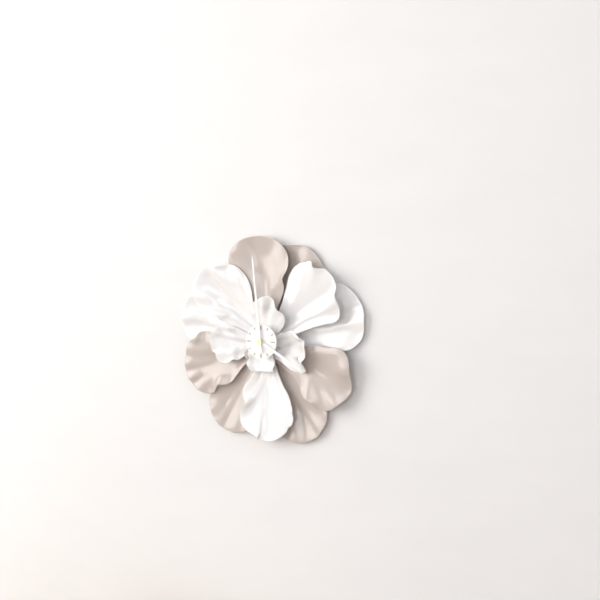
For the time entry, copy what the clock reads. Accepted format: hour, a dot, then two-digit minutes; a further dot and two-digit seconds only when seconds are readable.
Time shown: 3.59
